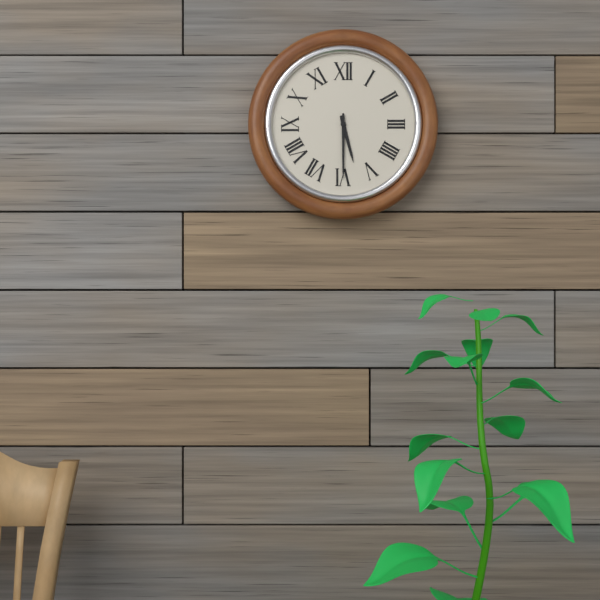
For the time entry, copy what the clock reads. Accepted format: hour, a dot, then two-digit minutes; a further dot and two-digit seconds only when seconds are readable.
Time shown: 5.30
